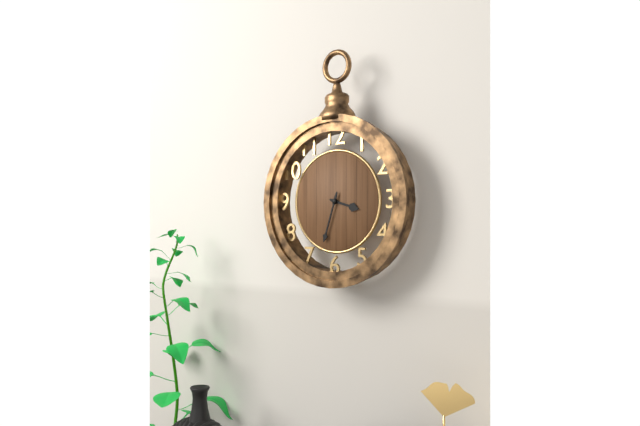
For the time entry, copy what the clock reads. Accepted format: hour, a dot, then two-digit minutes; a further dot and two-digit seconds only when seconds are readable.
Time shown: 3.33
